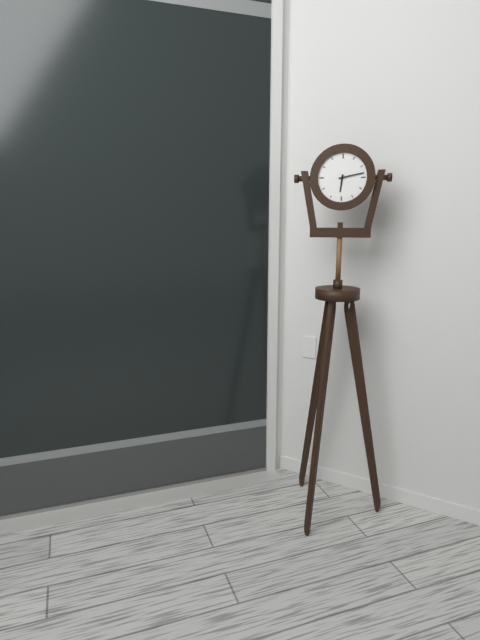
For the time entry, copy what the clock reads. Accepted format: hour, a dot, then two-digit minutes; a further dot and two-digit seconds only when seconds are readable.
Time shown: 6.13
